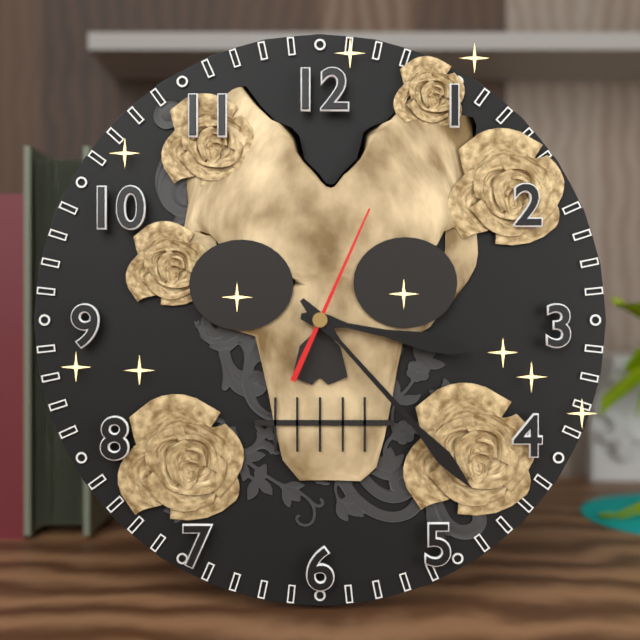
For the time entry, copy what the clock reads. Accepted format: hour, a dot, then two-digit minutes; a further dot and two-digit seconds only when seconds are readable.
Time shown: 3.23.04
